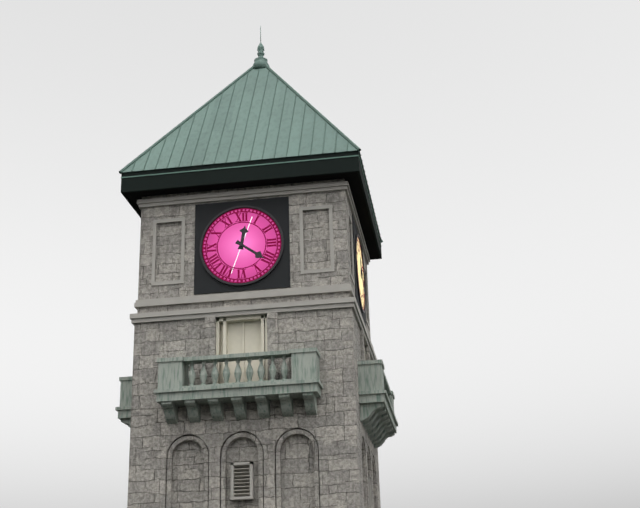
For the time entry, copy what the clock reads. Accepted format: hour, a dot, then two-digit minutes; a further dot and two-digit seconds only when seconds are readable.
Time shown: 12.21
